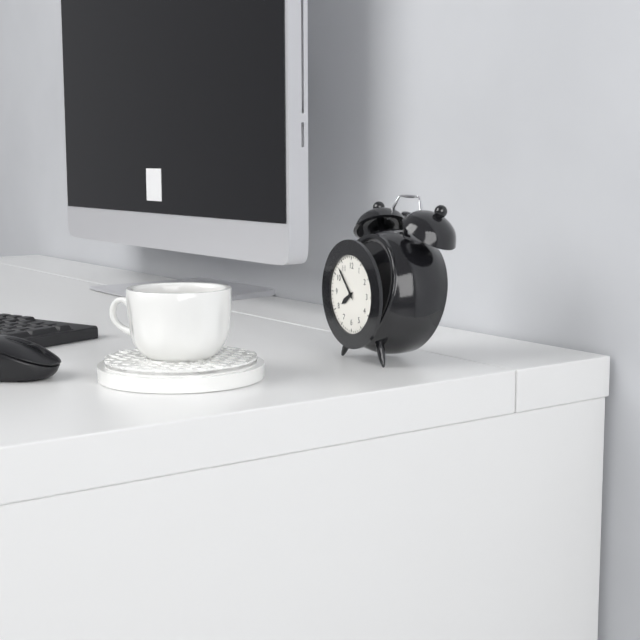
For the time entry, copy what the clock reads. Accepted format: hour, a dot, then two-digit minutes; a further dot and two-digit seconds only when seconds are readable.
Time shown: 7.53
